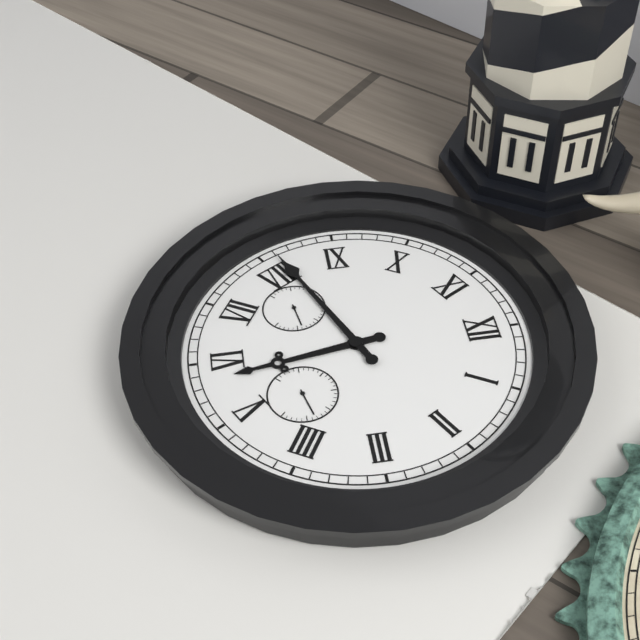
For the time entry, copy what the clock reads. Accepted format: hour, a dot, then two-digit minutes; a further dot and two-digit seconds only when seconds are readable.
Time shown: 5.41
